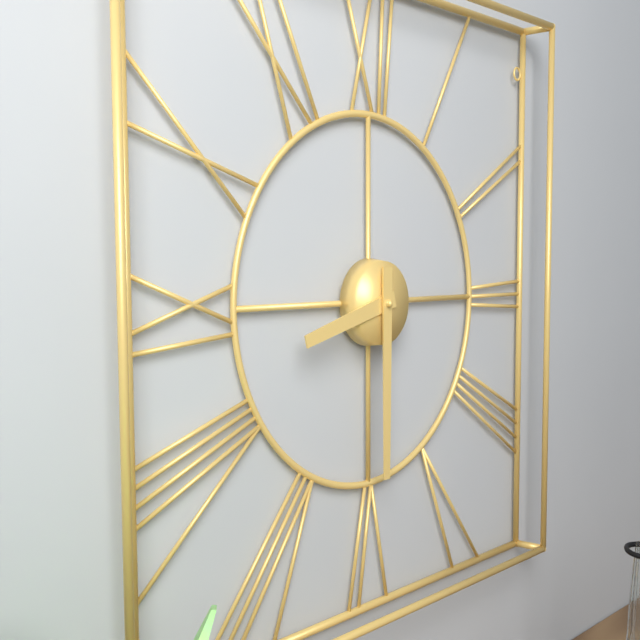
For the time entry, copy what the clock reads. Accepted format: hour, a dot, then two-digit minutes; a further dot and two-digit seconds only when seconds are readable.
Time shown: 8.30
